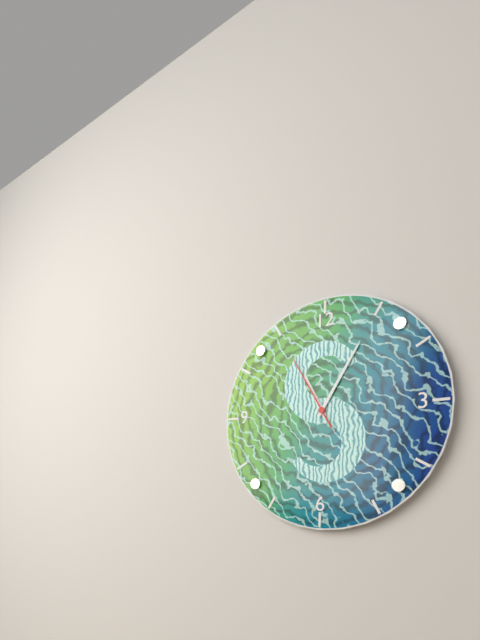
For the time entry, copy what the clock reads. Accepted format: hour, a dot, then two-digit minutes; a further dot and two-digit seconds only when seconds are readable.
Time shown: 11.05.55
